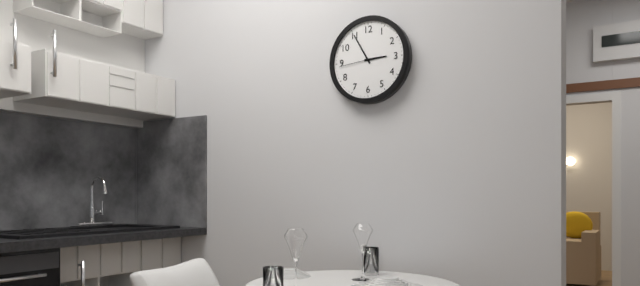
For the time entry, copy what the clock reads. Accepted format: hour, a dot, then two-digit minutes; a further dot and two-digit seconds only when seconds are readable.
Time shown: 2.55
